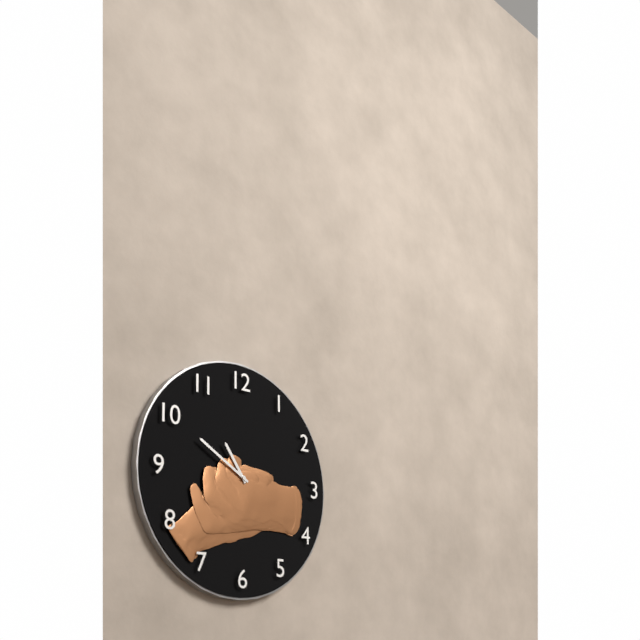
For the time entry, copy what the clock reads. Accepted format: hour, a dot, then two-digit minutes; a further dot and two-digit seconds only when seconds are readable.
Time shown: 10.50
